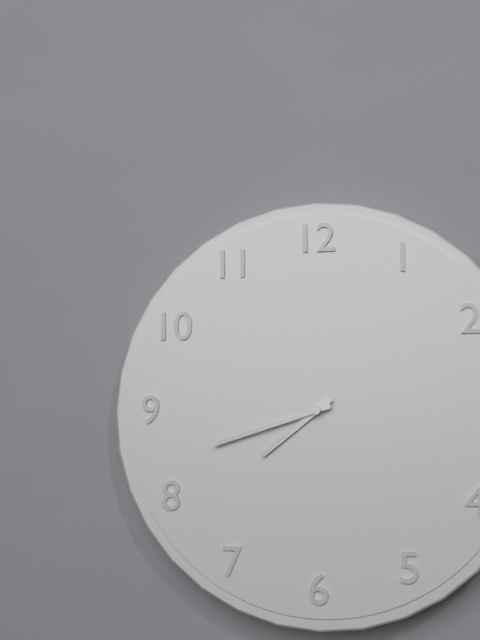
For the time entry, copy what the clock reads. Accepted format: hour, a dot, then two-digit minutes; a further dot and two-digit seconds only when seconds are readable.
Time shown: 7.42
